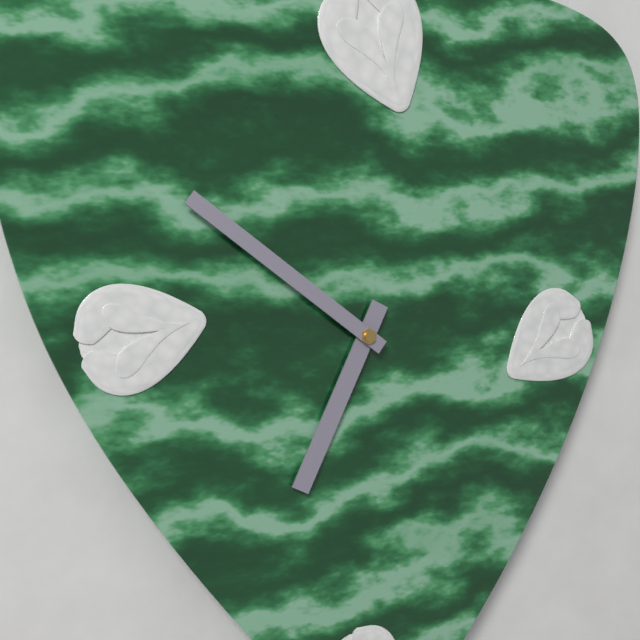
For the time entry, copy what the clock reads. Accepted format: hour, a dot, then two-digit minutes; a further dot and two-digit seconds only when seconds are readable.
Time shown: 6.51
